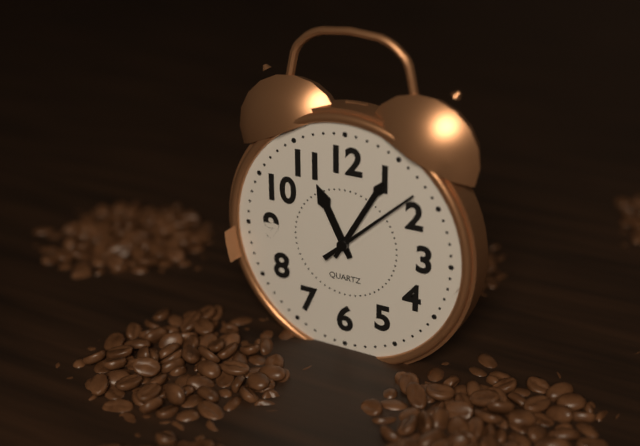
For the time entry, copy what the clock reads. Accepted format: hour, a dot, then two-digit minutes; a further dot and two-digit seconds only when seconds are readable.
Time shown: 11.05.08
